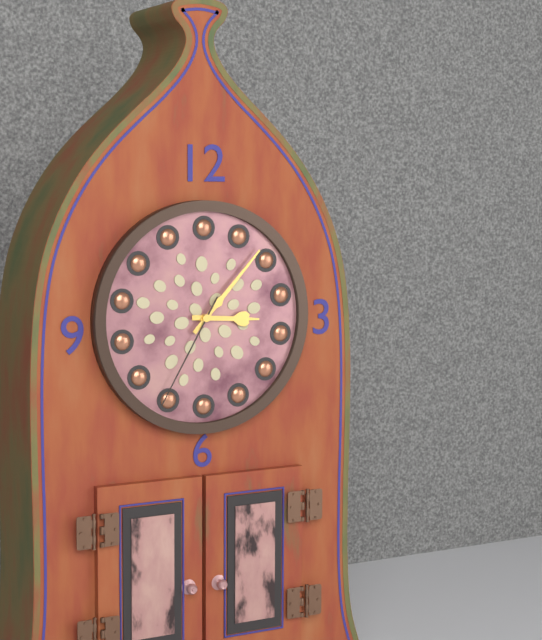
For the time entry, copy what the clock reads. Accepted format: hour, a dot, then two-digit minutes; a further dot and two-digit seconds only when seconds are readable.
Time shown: 3.07.35
